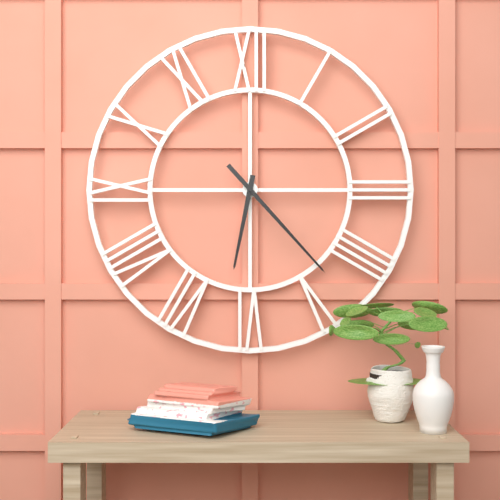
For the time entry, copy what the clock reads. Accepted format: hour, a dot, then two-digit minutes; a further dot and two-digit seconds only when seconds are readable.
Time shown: 6.23
